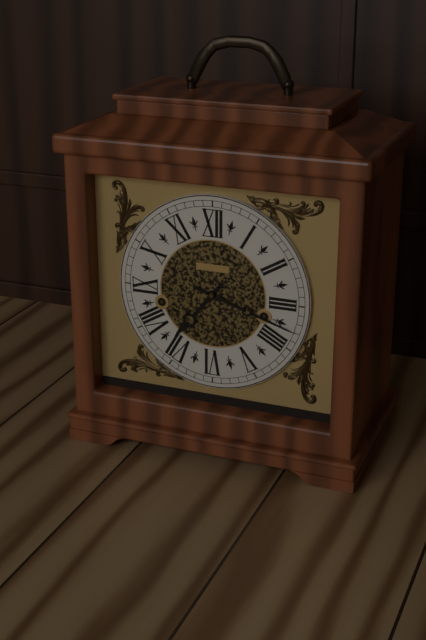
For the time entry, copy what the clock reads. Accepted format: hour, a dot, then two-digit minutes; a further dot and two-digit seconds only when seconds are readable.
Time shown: 7.18
